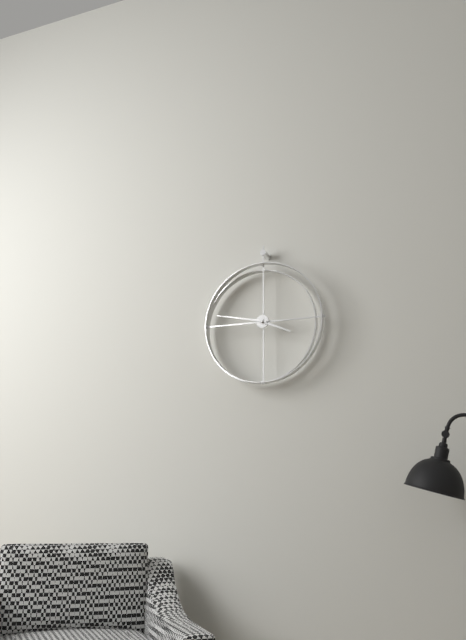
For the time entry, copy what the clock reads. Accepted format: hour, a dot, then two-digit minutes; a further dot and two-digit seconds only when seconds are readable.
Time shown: 3.47
